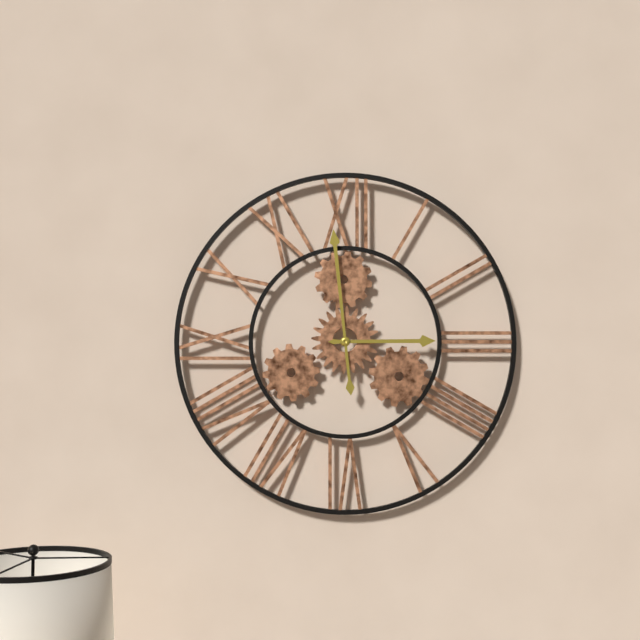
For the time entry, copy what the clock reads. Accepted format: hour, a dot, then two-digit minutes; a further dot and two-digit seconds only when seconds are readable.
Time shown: 2.59
